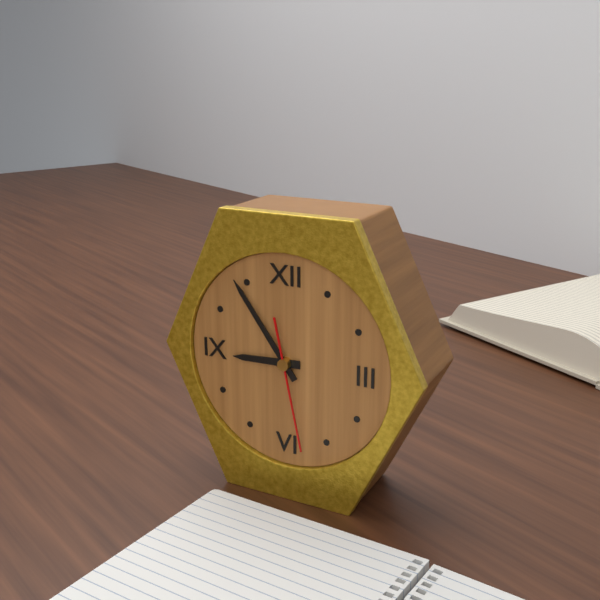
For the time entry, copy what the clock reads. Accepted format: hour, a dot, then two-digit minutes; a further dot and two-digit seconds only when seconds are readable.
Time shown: 8.54.28
